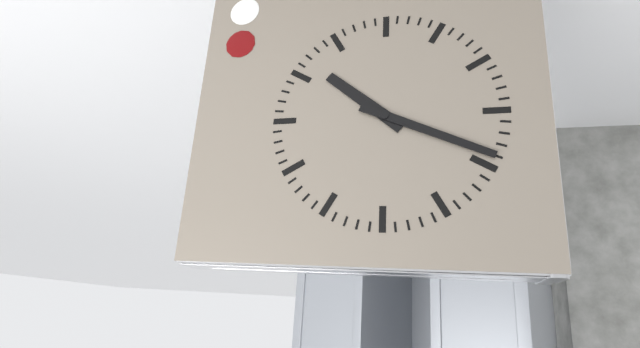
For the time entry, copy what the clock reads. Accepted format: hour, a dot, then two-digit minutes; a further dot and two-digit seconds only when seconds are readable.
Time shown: 10.19
